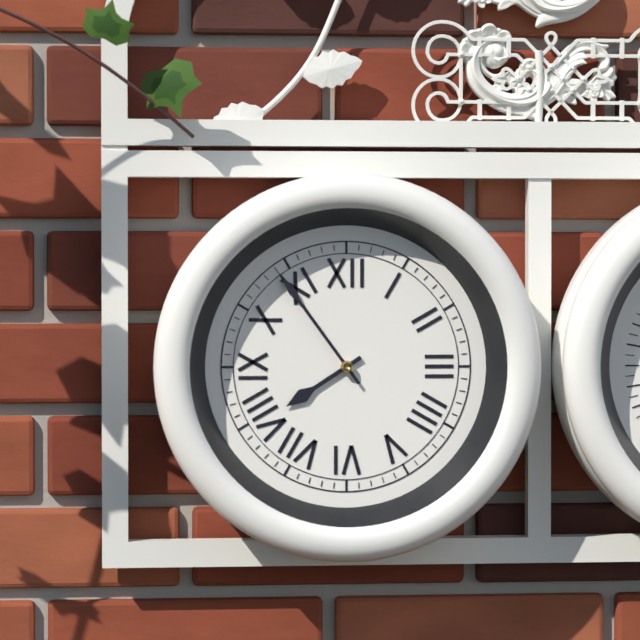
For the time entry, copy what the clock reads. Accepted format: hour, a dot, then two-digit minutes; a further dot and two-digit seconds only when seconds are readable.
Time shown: 7.54
